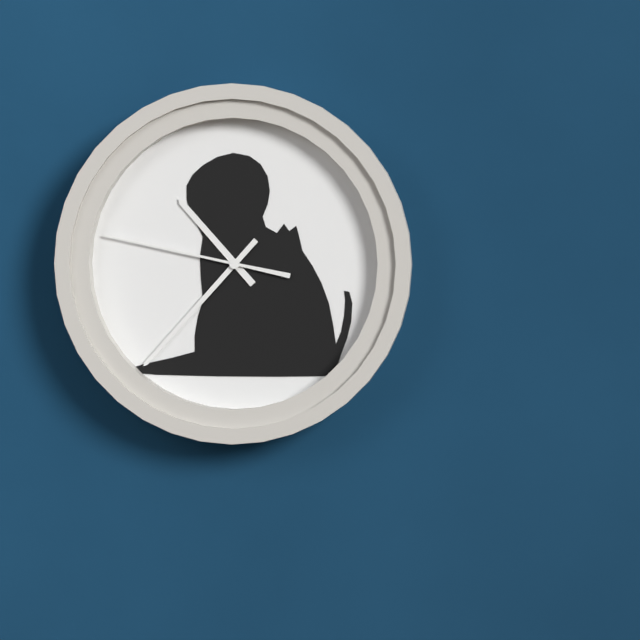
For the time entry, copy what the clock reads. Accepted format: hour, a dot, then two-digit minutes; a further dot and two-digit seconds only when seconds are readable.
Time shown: 10.37.47
